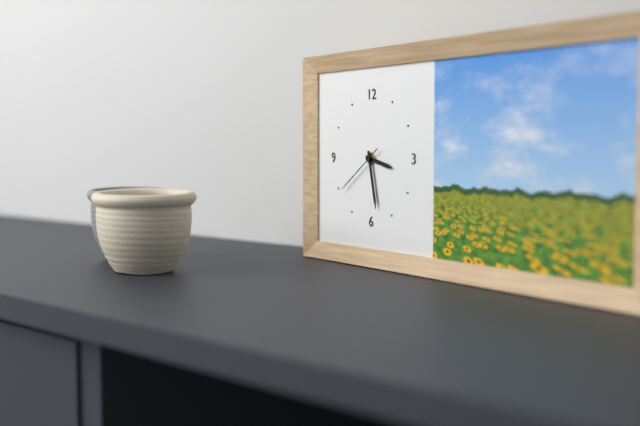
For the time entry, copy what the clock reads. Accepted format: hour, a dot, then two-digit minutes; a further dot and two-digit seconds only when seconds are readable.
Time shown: 3.28.39
